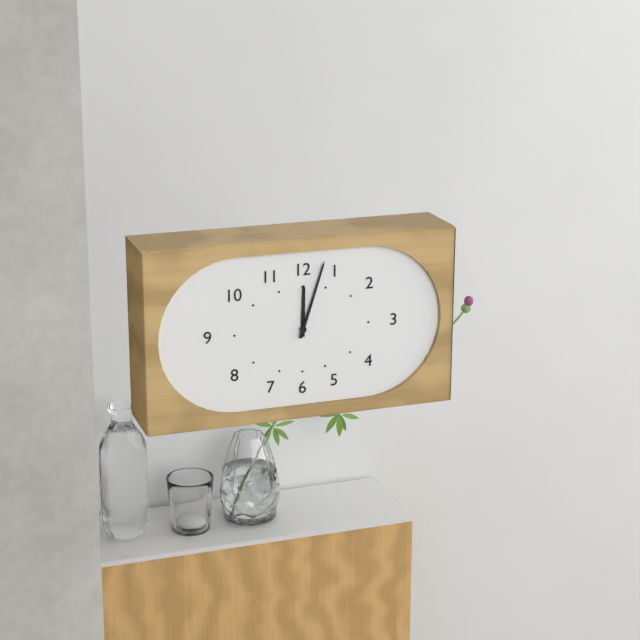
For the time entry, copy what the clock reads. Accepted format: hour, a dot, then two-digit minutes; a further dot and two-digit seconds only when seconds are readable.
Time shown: 12.03
